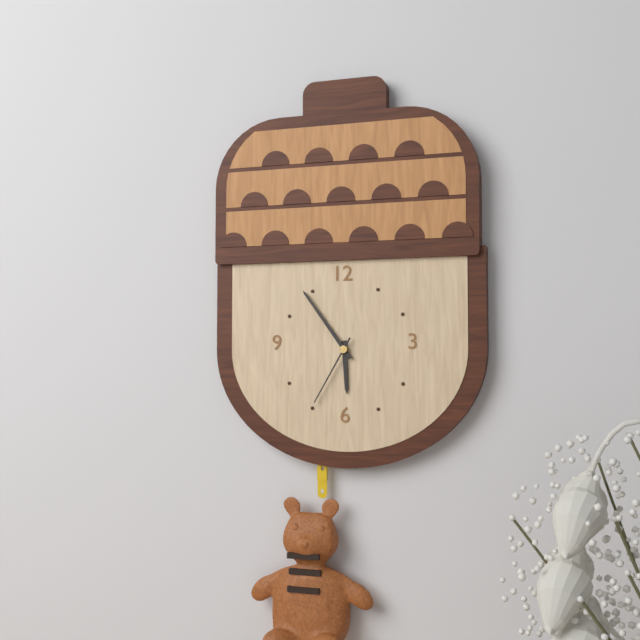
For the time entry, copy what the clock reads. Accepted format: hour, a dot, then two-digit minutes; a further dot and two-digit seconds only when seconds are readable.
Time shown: 5.54.35
